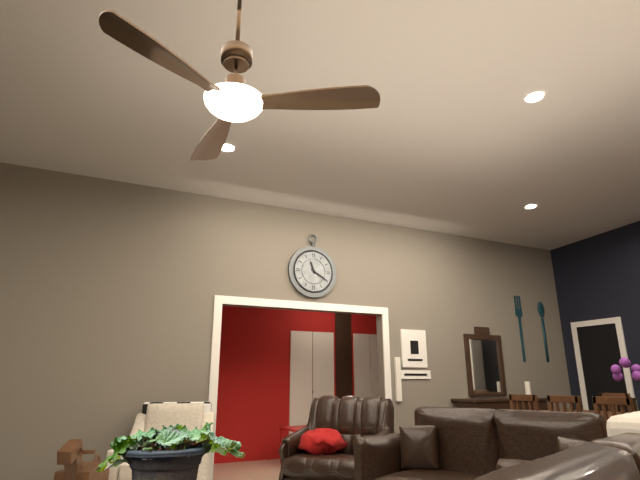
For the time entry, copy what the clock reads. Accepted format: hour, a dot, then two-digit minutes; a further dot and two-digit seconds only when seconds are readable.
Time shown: 11.20
